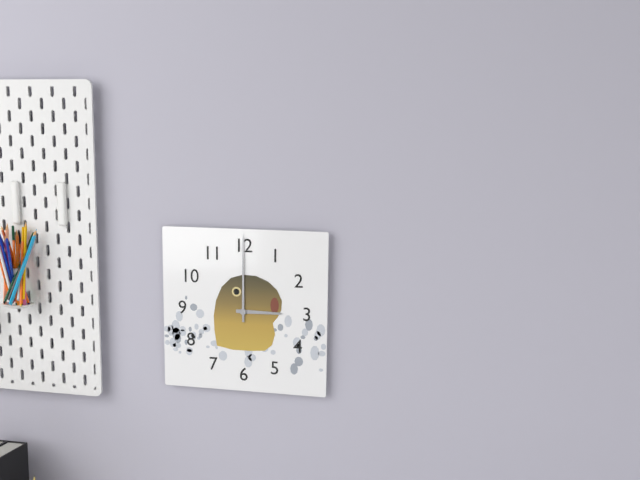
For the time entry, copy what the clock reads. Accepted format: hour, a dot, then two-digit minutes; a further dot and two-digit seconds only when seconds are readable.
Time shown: 3.00
